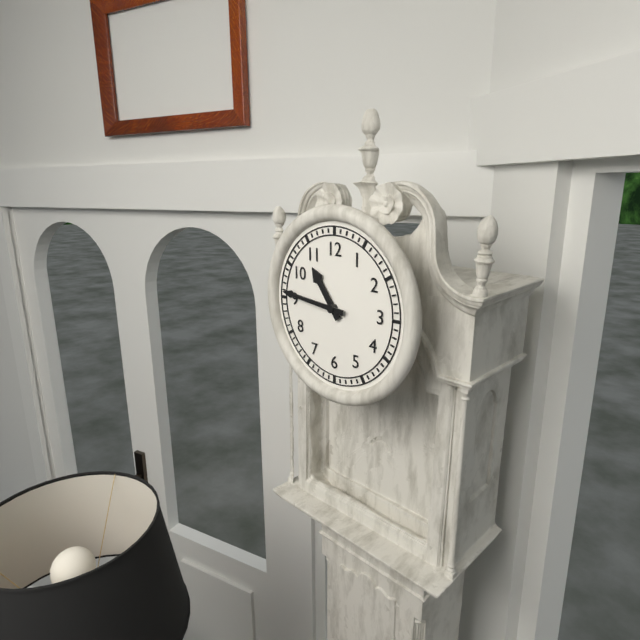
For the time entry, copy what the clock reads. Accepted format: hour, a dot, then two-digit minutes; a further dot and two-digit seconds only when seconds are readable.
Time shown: 10.46
